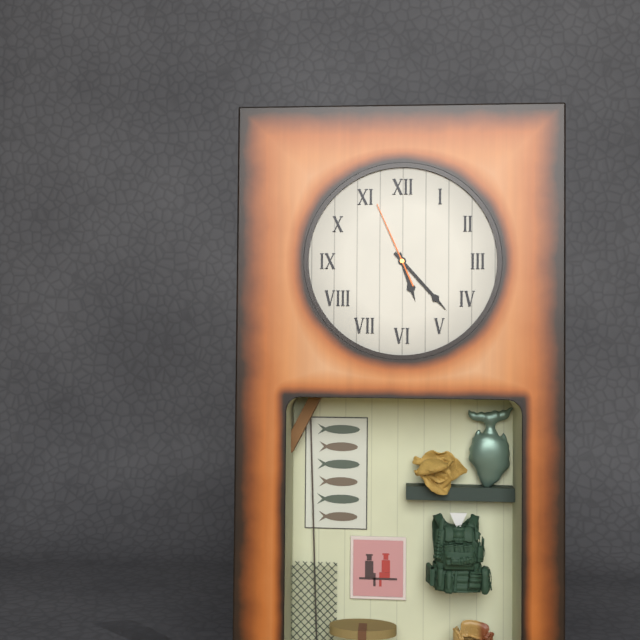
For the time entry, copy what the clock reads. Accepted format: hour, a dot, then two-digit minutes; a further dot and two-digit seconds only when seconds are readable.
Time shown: 5.23.56
